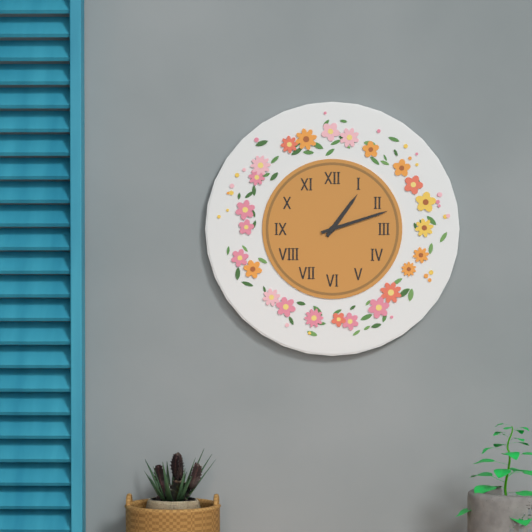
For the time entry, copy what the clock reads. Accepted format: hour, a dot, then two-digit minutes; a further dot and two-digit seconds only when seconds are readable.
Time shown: 1.12
